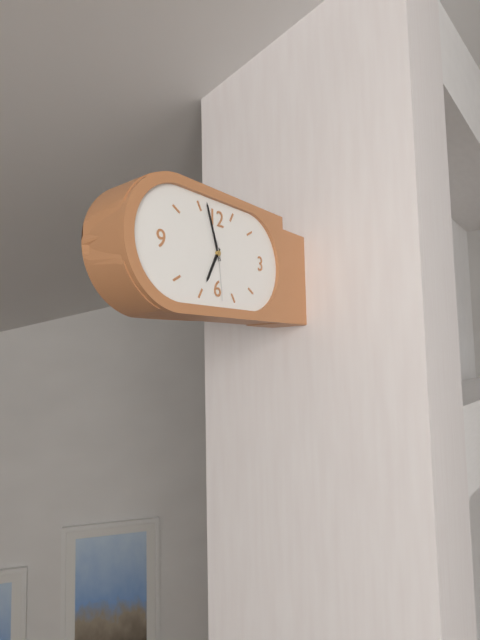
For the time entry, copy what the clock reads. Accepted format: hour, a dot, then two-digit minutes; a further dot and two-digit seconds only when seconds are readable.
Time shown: 6.57.29
